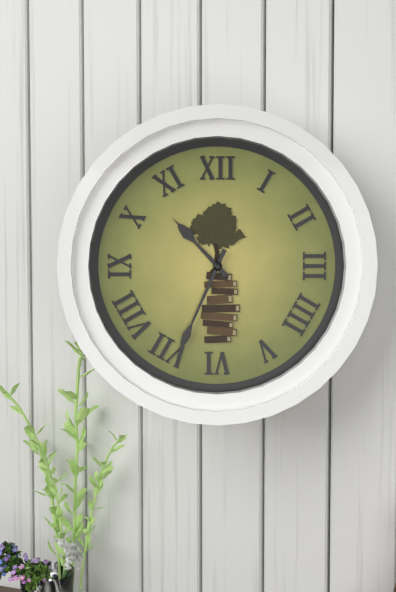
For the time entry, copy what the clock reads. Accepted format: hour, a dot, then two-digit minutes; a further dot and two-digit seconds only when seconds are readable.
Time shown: 10.34
